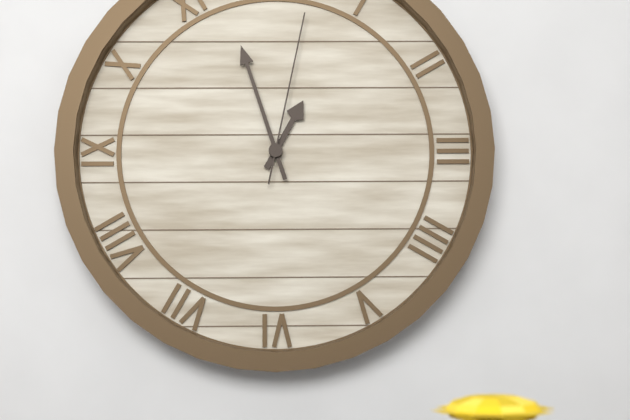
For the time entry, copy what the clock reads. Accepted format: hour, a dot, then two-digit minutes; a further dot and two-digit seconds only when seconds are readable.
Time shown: 12.57.02
